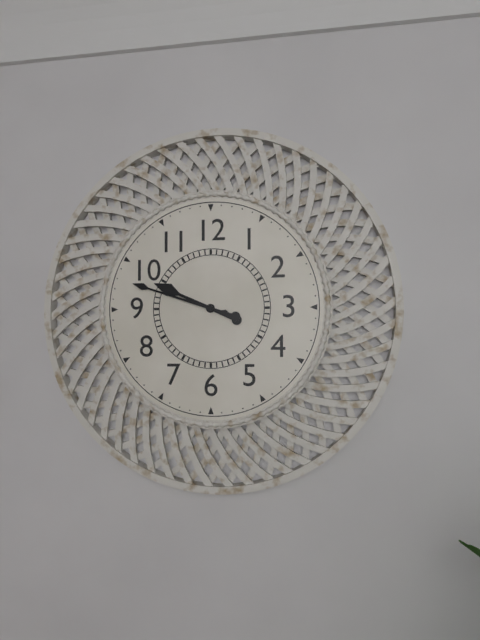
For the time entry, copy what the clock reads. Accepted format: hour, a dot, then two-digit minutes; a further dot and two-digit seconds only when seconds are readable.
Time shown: 9.48
